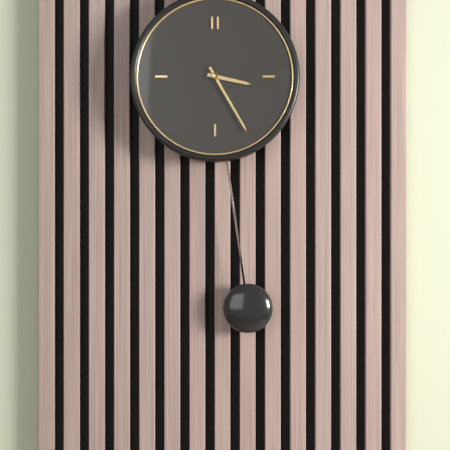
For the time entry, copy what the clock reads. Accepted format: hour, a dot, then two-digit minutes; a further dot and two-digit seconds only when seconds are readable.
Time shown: 3.25
